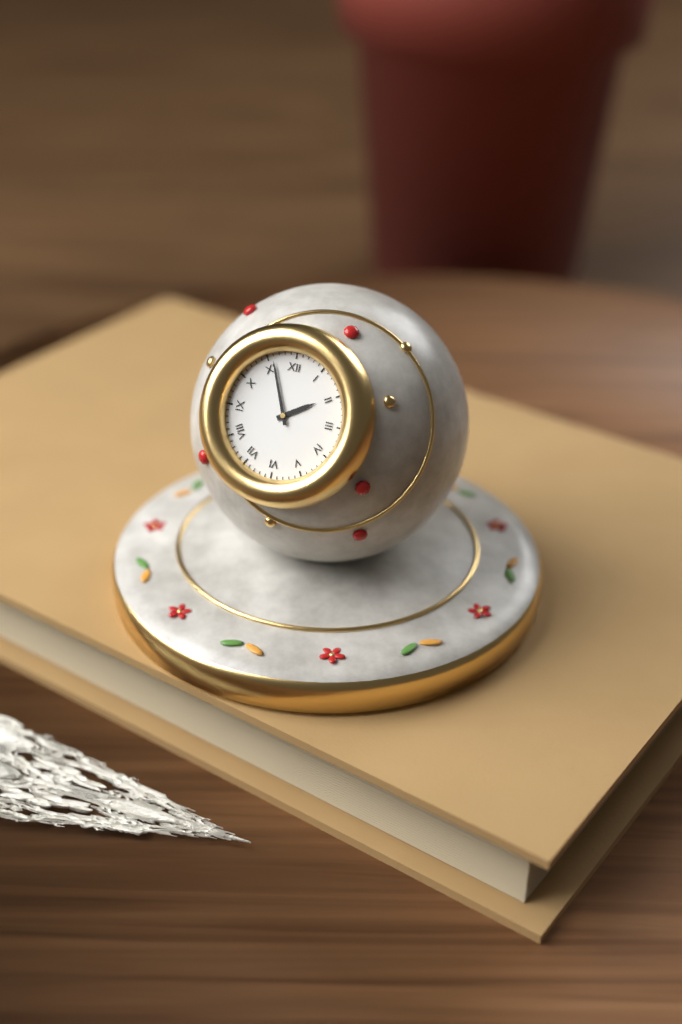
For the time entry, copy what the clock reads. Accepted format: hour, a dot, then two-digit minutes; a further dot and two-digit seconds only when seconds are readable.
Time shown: 1.56
